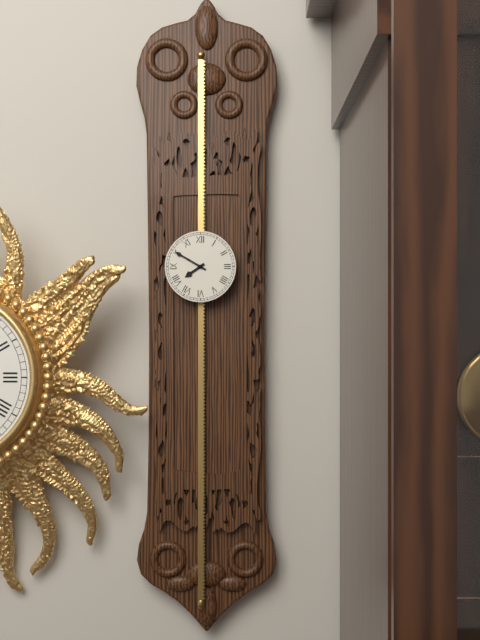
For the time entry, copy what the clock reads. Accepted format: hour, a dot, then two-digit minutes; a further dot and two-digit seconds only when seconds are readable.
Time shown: 7.50
